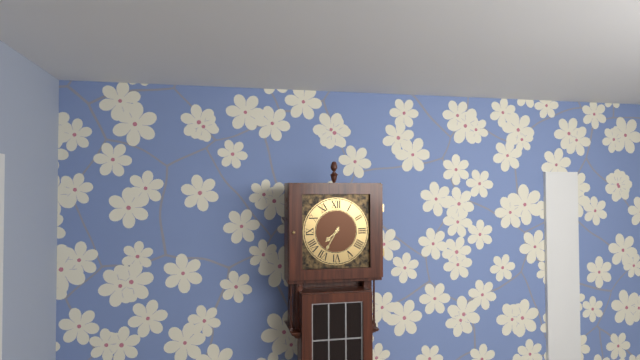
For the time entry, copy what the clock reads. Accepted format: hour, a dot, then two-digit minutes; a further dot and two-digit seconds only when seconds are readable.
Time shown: 7.35
